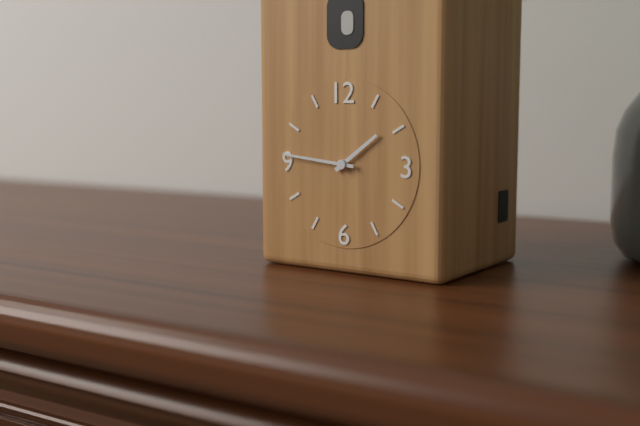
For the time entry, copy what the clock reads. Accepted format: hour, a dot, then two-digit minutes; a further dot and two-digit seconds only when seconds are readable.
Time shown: 1.46
